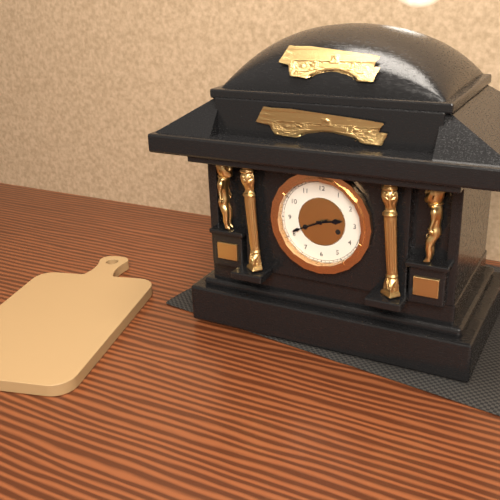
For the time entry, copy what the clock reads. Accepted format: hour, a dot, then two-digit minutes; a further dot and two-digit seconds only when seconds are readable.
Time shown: 2.41
